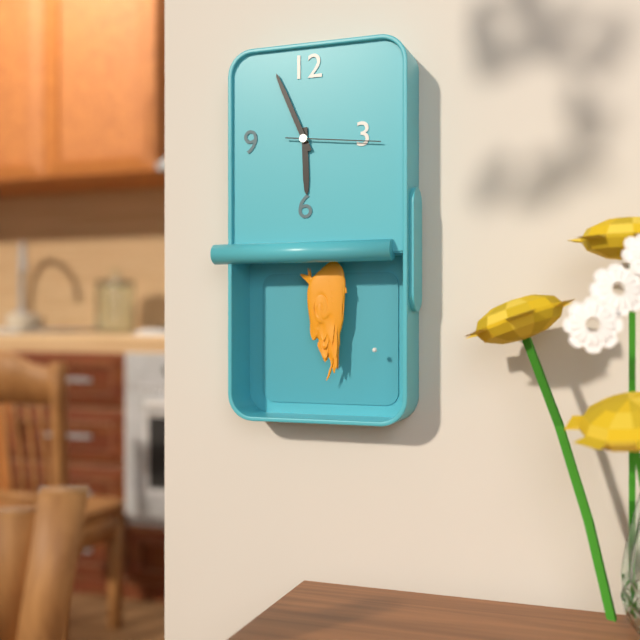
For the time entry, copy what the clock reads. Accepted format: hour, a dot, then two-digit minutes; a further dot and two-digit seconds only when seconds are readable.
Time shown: 5.56.16
